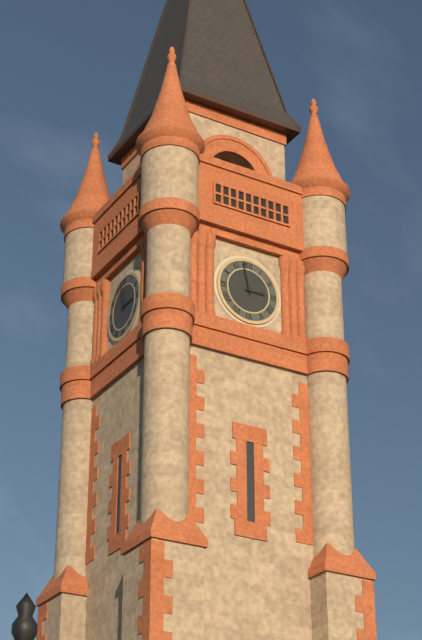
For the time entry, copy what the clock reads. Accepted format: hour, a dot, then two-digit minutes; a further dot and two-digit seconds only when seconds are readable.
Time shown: 2.58
